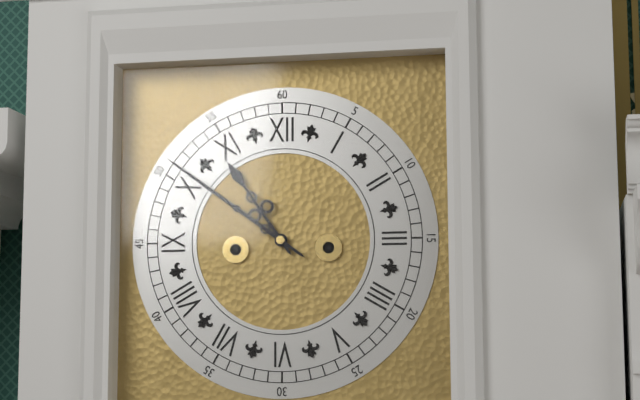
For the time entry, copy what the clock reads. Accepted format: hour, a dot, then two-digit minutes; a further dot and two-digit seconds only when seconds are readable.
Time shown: 10.51
